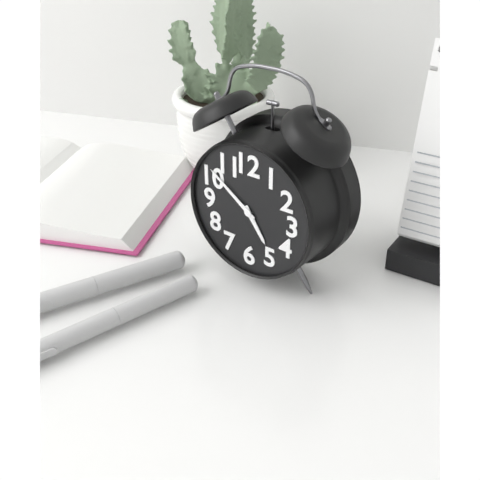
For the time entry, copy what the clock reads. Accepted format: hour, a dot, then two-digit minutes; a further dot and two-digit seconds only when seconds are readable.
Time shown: 4.51
